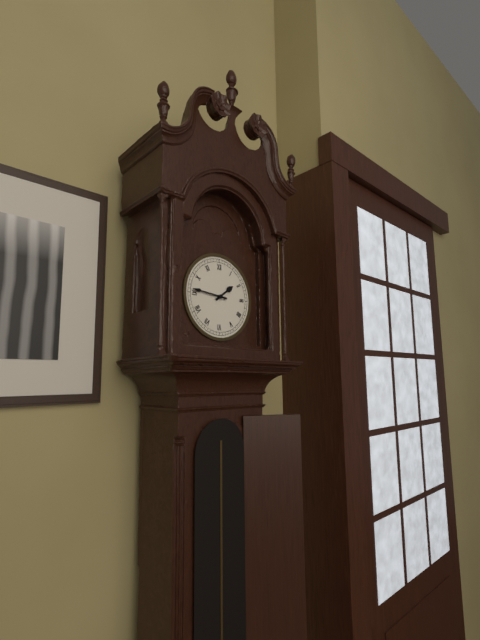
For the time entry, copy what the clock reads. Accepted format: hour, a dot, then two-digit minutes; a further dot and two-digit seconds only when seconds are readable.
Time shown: 1.46
